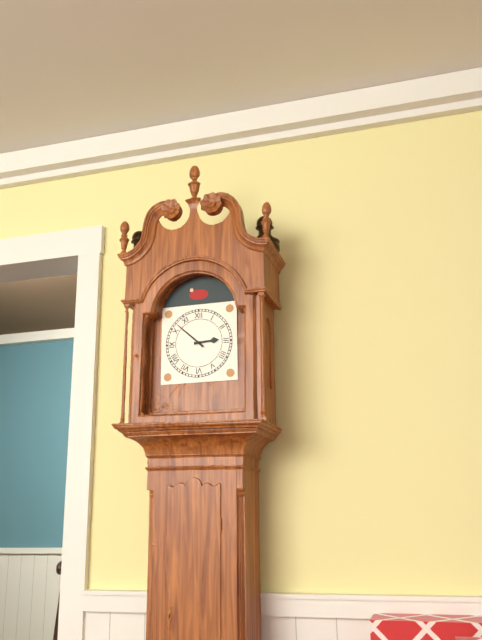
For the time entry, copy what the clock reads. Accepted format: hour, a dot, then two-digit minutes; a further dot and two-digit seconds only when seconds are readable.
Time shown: 2.52
